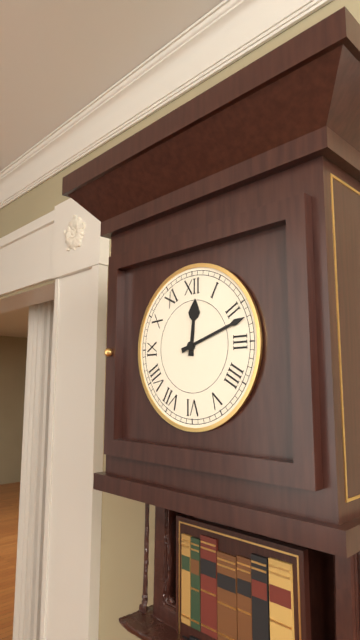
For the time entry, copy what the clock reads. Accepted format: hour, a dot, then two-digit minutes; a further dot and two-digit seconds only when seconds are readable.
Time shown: 12.12
